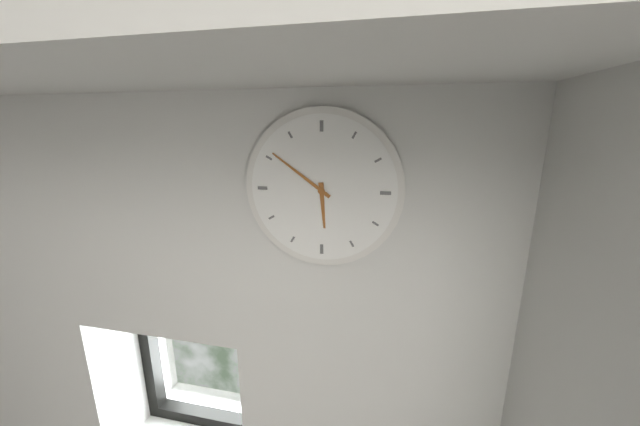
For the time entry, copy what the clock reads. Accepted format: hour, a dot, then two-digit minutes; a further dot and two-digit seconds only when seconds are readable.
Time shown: 5.51
